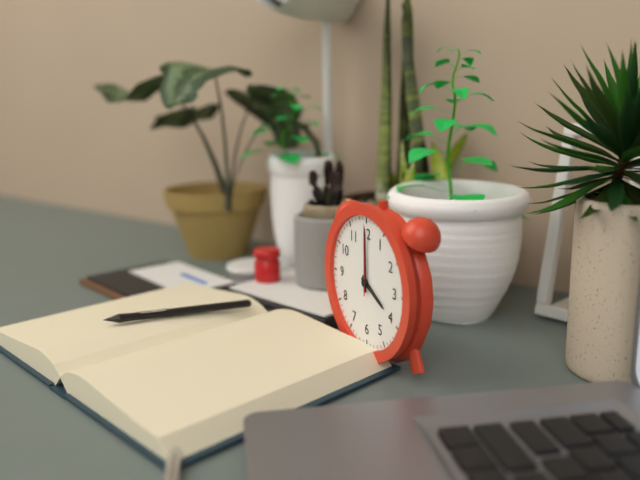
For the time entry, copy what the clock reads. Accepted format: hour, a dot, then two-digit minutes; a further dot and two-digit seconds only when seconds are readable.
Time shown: 4.00.00
